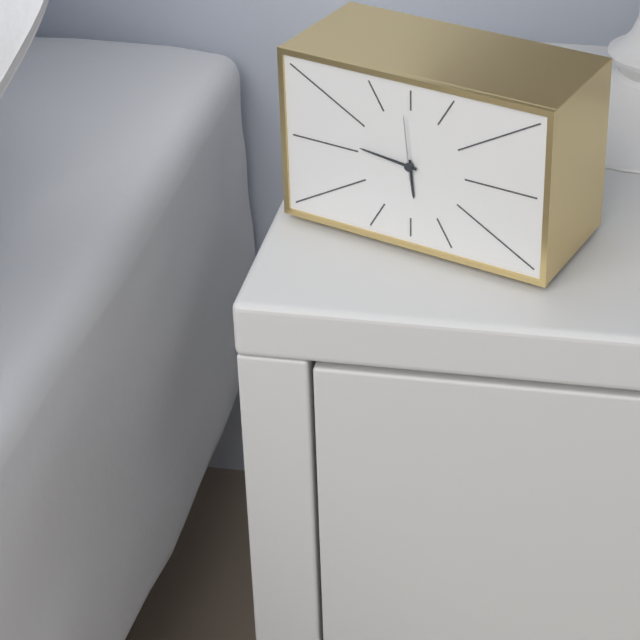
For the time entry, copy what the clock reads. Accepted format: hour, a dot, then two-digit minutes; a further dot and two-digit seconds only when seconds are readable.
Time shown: 5.46.59
